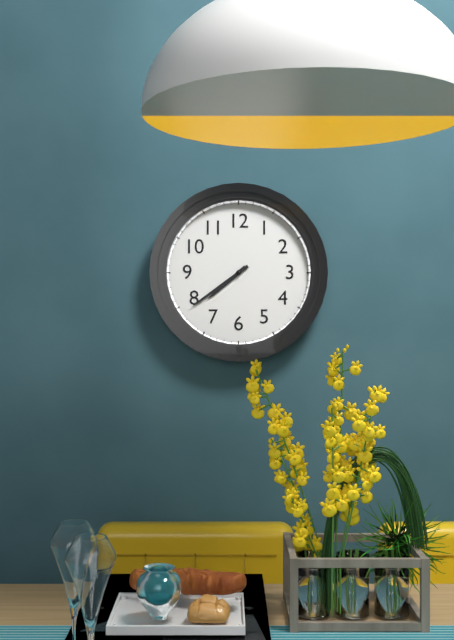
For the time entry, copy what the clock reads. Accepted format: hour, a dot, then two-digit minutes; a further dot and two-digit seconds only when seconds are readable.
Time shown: 7.39
